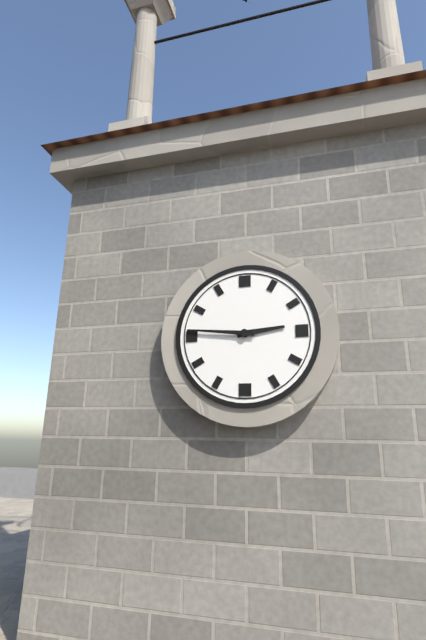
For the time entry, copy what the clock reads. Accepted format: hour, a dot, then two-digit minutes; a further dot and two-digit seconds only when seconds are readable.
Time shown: 2.46
